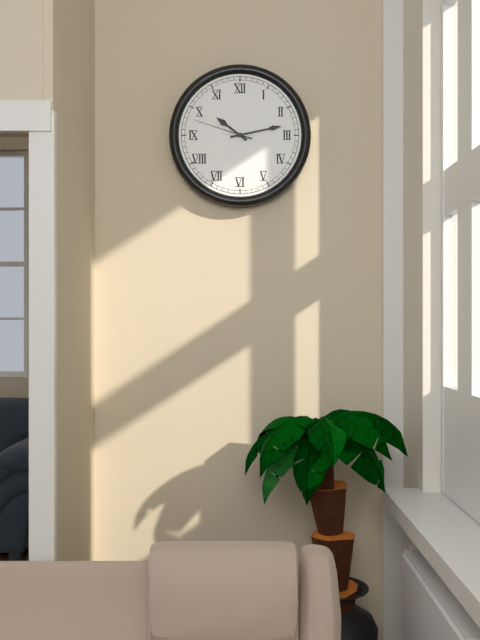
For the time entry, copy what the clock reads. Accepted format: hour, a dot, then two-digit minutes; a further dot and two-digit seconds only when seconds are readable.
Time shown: 10.13.48
